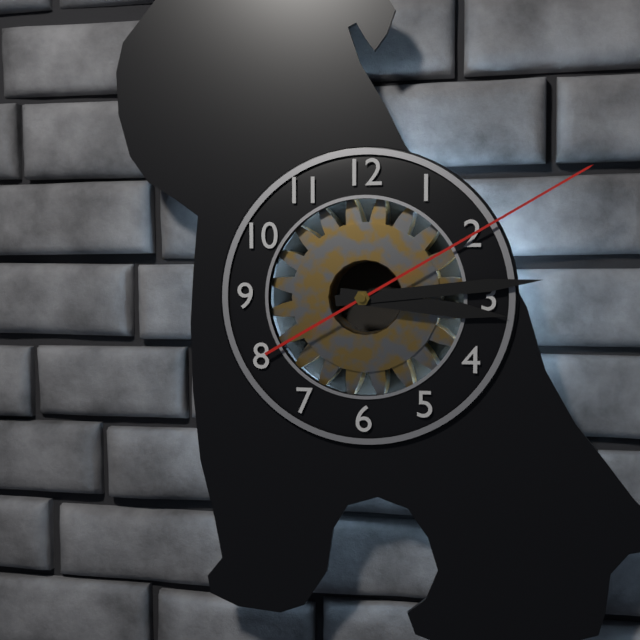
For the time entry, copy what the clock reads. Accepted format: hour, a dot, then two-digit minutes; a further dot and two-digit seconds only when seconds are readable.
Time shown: 3.14.10
